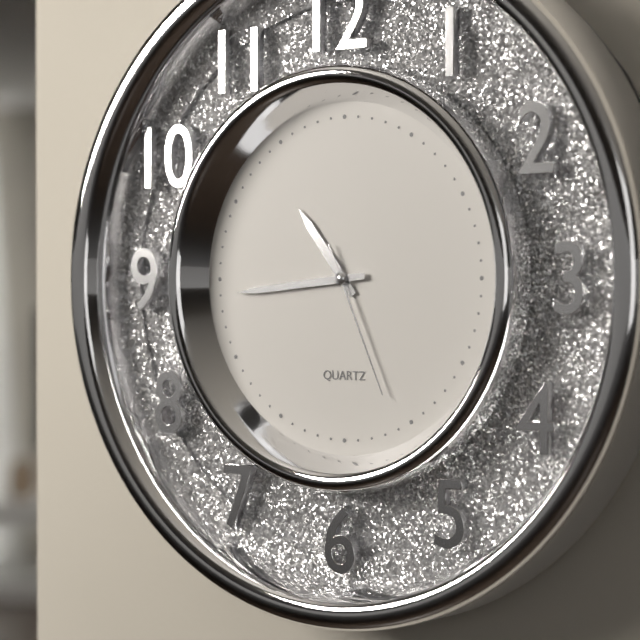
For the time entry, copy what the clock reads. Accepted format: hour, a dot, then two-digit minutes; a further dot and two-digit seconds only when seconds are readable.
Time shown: 10.44.26
